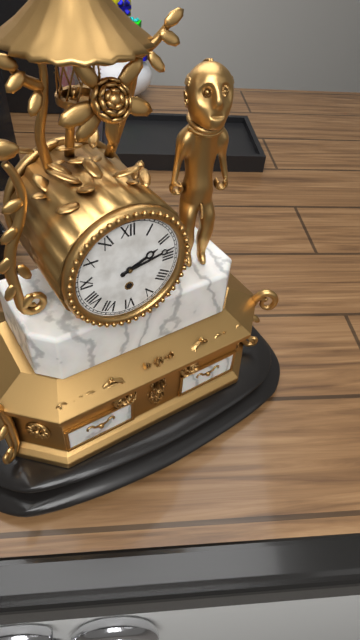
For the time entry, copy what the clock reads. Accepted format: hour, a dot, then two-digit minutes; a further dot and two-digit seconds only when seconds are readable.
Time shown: 2.13
